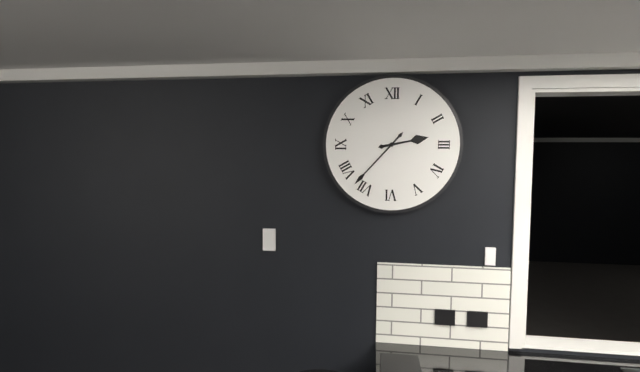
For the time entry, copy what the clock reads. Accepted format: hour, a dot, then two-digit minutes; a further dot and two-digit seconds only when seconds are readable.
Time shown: 2.37
